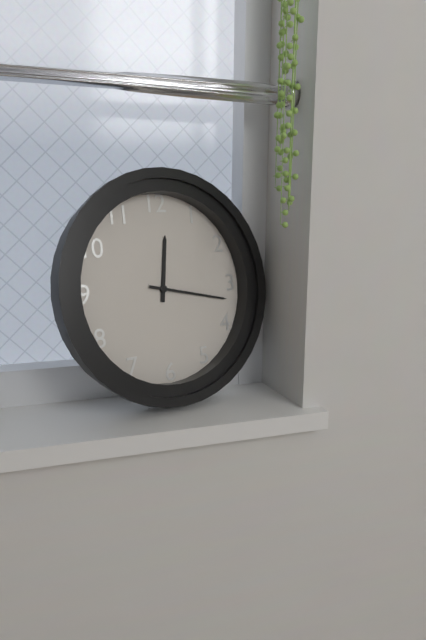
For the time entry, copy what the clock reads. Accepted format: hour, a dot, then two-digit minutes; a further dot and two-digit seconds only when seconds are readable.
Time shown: 12.17
